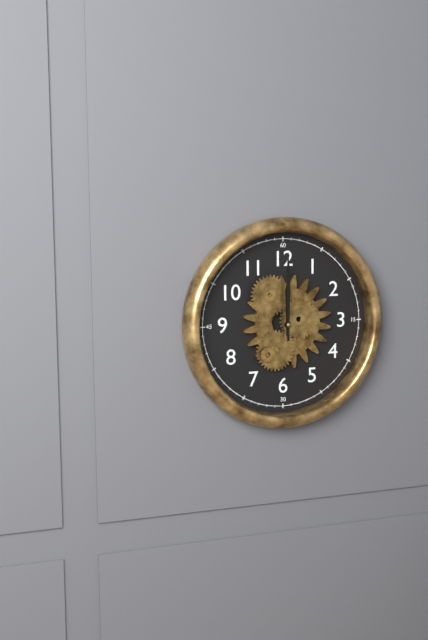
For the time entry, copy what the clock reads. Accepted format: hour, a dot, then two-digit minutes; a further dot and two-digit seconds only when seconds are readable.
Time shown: 12.00
